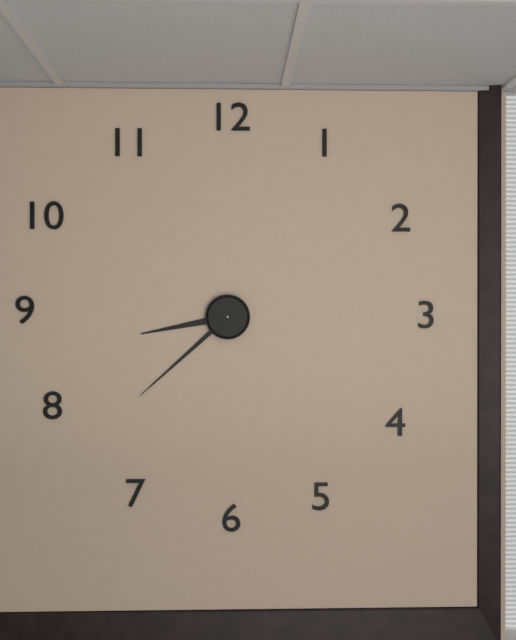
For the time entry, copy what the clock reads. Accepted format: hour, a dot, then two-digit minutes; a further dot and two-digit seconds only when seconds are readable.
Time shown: 8.38
